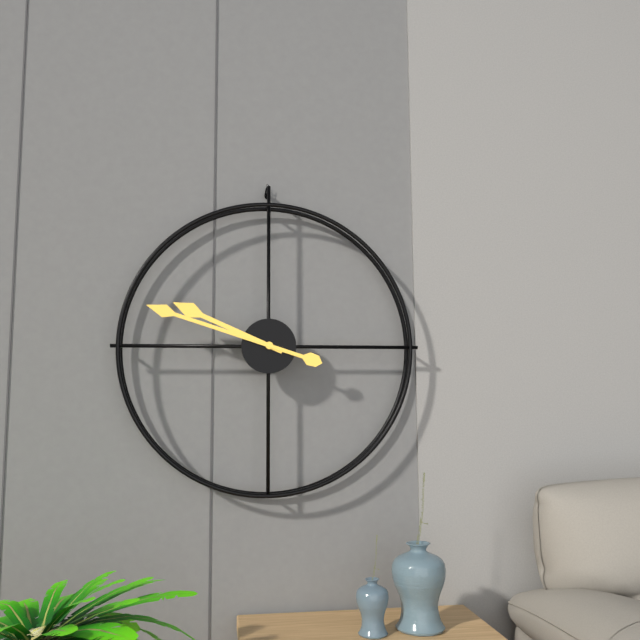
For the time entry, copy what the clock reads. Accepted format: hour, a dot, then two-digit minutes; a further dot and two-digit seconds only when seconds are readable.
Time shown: 9.48
